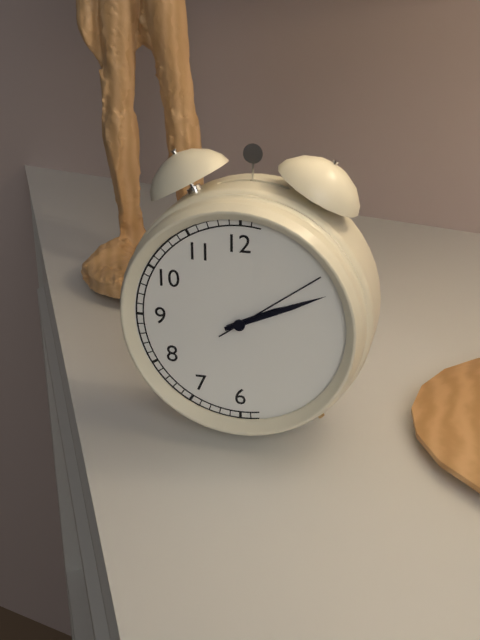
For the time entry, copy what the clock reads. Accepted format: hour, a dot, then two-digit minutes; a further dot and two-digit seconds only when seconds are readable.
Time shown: 2.11.09
